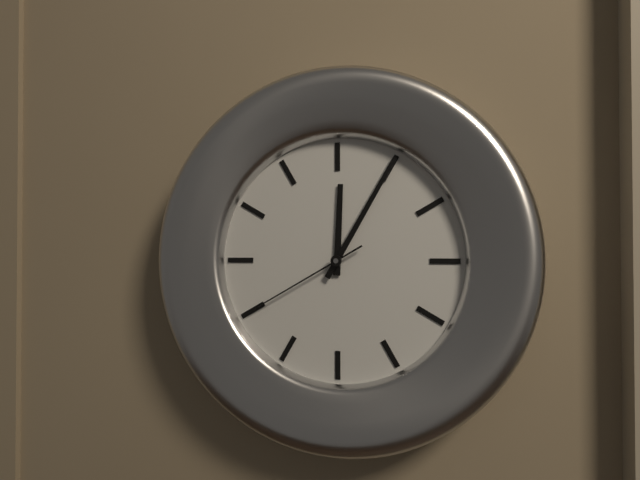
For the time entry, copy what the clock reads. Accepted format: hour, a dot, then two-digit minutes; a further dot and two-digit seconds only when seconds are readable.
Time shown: 12.05.40
